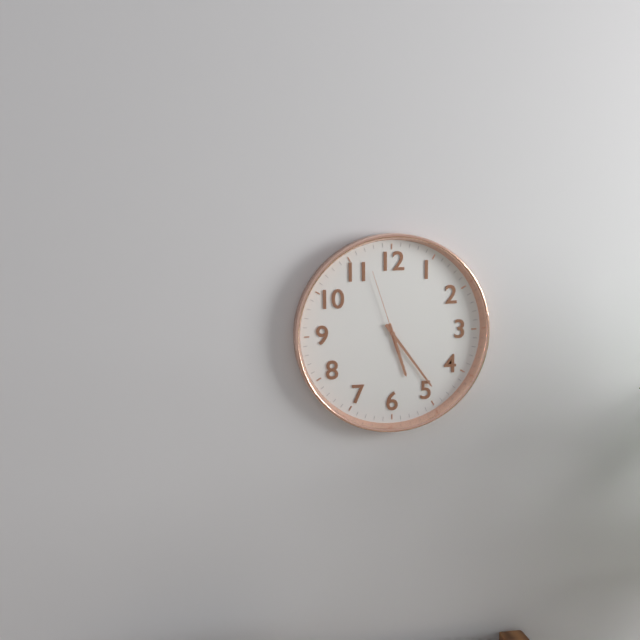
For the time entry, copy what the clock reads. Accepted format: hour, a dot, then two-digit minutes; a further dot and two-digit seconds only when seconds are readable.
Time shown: 5.24.57
